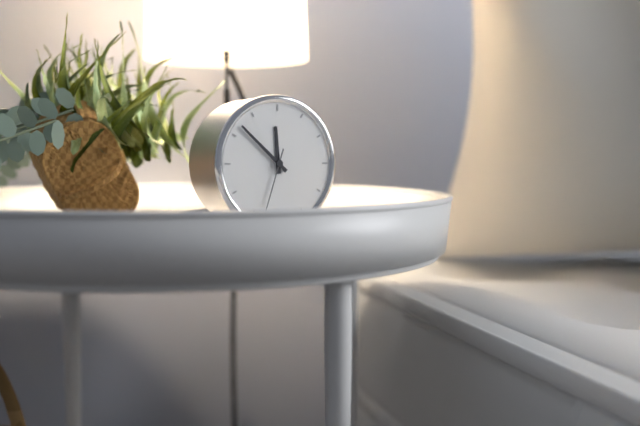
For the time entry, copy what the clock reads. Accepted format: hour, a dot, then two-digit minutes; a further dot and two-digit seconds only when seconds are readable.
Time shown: 11.52.33
